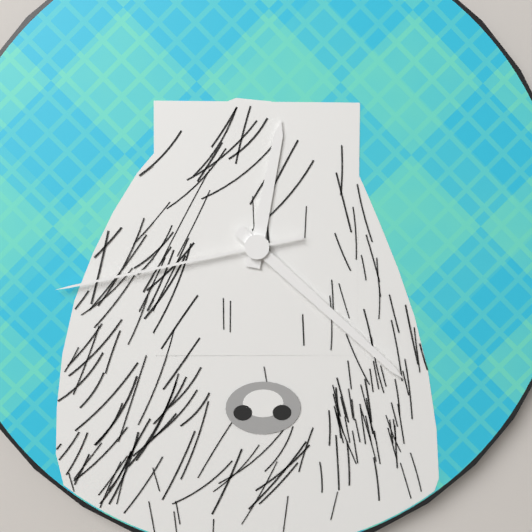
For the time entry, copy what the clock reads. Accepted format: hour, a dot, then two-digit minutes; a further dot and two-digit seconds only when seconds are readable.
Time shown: 12.22.43
